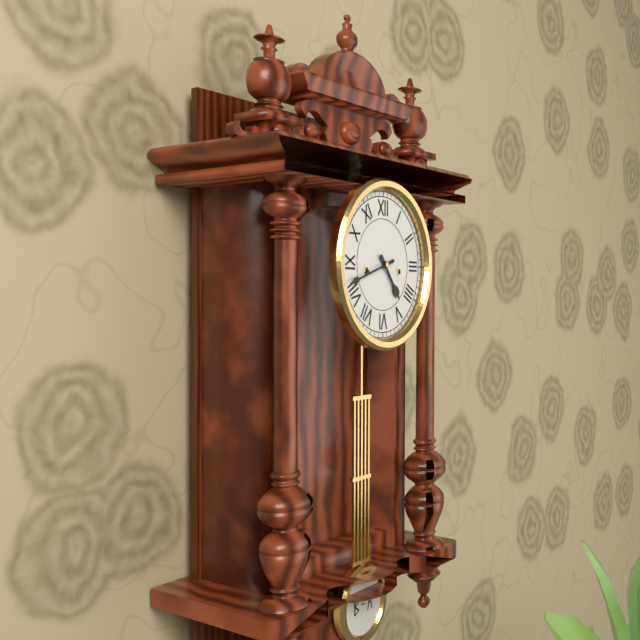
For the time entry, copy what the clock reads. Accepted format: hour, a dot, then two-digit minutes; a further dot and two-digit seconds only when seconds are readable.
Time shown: 4.42
